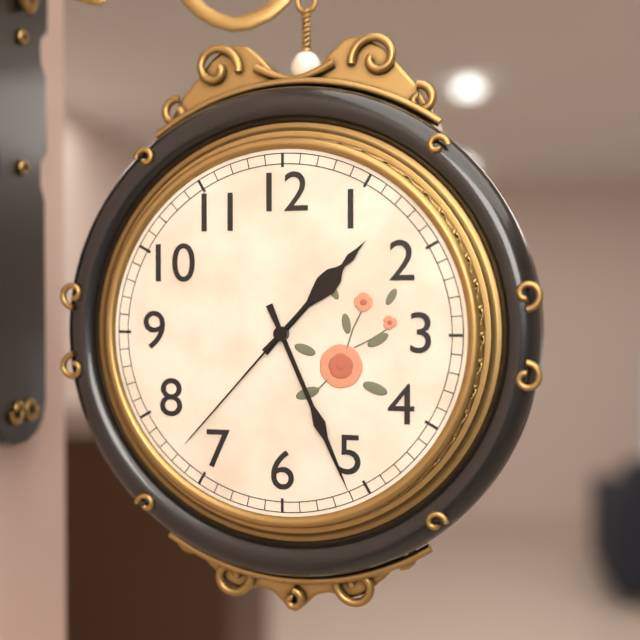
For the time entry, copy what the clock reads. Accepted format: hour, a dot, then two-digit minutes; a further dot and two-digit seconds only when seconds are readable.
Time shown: 1.26.37
